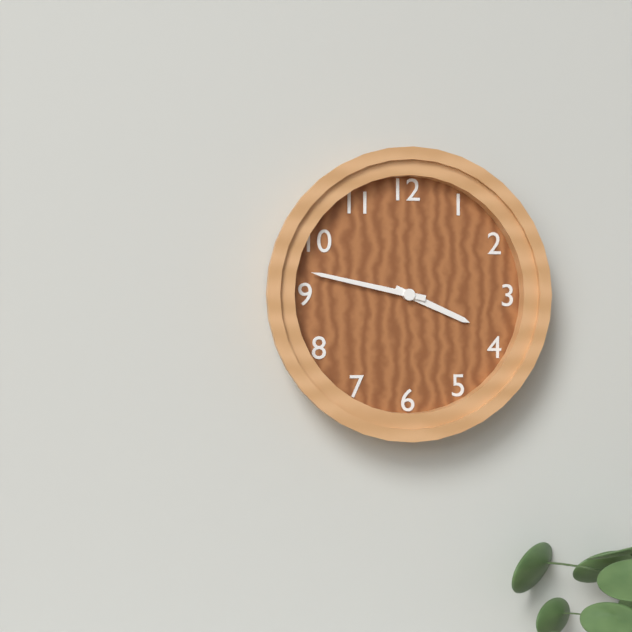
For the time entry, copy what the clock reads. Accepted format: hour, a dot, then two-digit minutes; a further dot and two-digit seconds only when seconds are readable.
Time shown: 3.47
